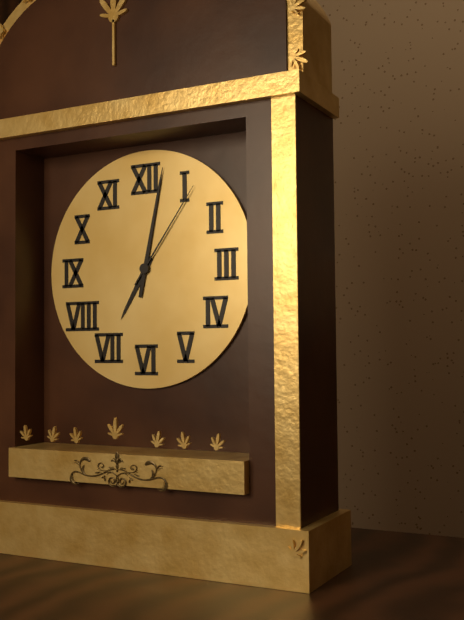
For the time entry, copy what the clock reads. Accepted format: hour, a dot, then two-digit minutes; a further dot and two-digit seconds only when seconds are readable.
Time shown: 7.02.06
